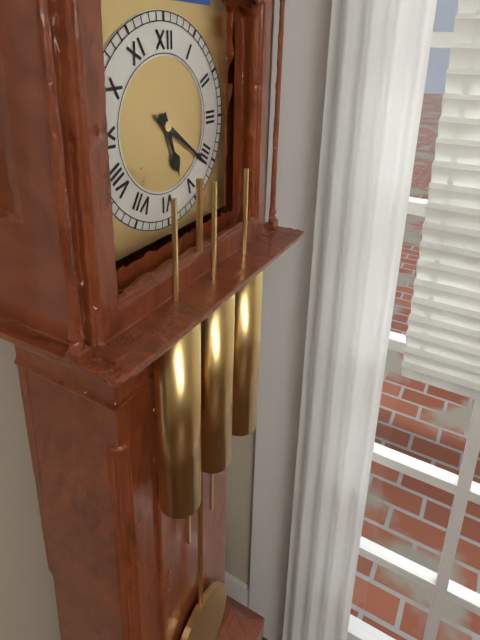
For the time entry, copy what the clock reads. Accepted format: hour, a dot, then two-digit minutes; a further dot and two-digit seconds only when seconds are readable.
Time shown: 5.21
